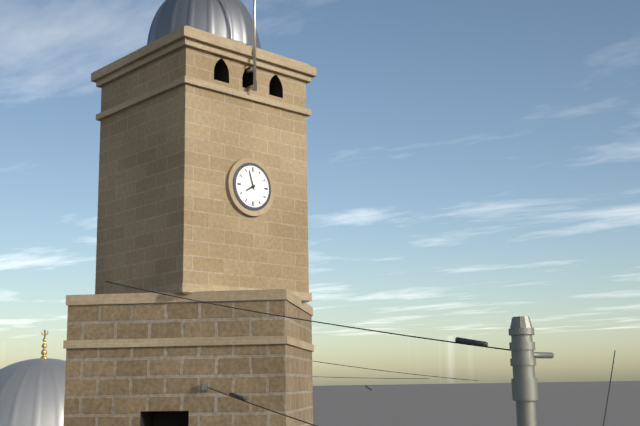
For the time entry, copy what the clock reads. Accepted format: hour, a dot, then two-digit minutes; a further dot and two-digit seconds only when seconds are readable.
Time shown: 7.57
